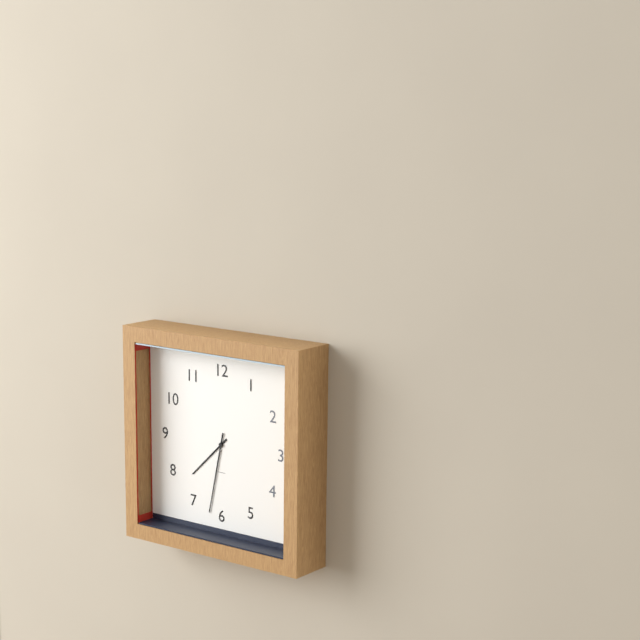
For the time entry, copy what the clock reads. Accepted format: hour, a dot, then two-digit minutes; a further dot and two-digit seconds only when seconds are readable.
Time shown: 7.32
